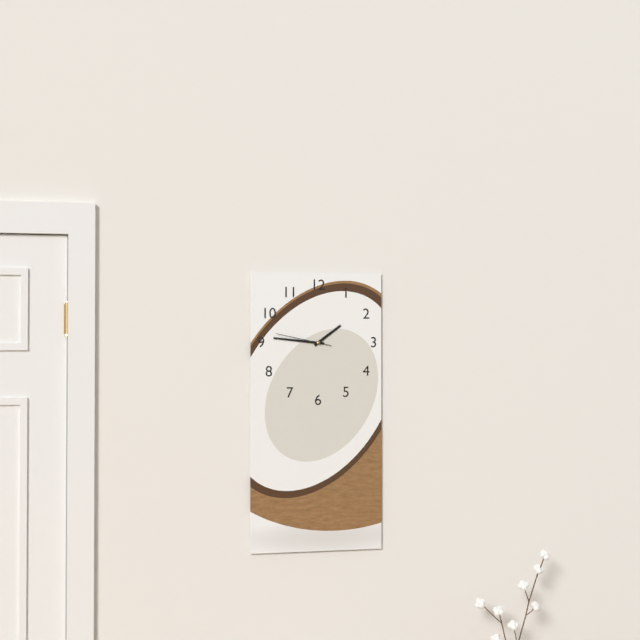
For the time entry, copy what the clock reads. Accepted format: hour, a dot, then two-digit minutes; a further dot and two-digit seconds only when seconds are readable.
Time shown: 1.46.47
